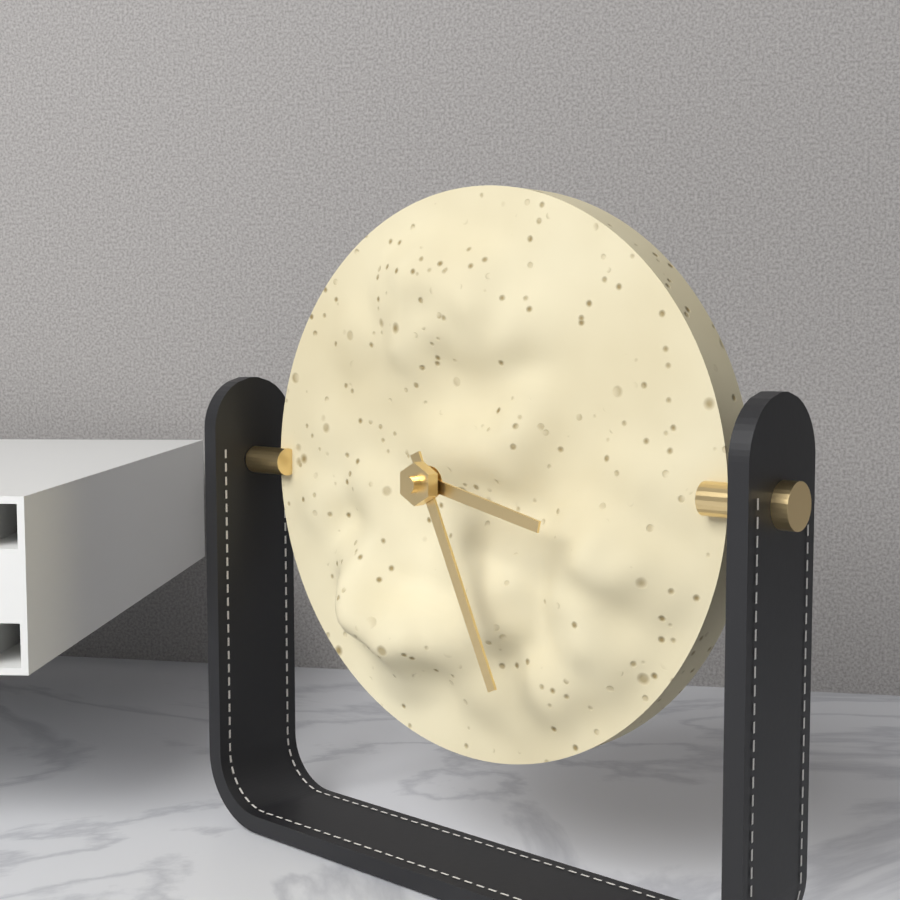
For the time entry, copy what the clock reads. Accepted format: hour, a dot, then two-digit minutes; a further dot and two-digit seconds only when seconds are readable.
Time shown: 3.26
